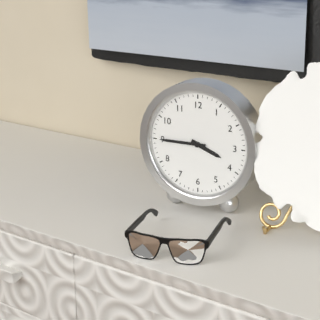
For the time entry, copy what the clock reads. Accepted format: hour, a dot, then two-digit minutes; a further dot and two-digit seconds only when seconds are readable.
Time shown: 3.45
